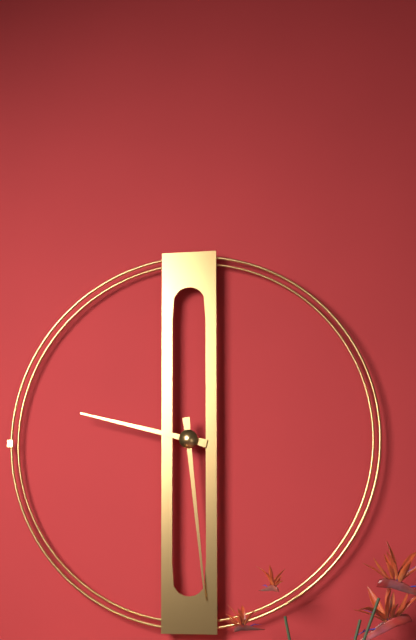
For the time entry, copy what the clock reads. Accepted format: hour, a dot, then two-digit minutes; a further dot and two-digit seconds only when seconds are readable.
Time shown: 9.29
